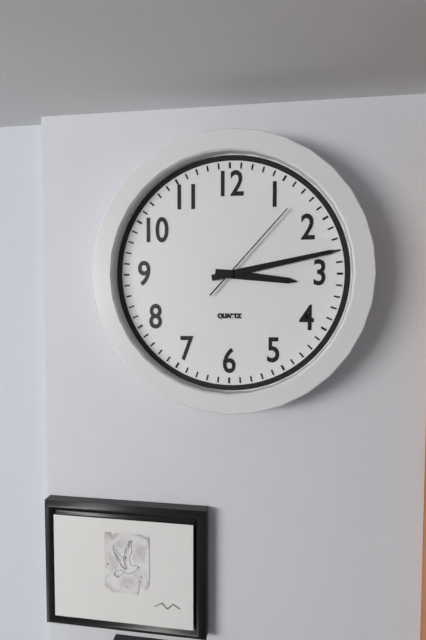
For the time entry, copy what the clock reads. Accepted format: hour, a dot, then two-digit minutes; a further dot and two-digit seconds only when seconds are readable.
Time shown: 3.13.07
